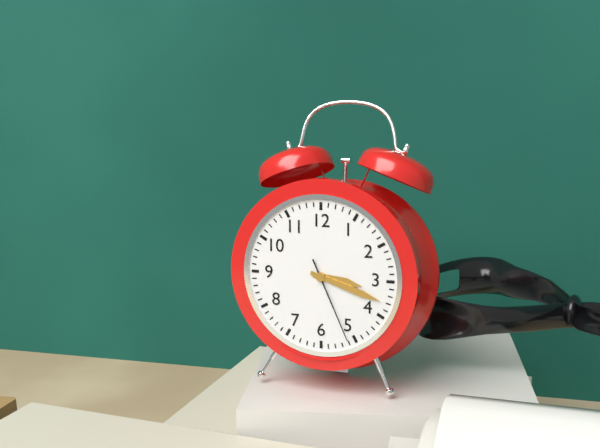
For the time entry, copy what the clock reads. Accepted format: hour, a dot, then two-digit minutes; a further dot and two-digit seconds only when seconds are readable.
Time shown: 3.18.26
